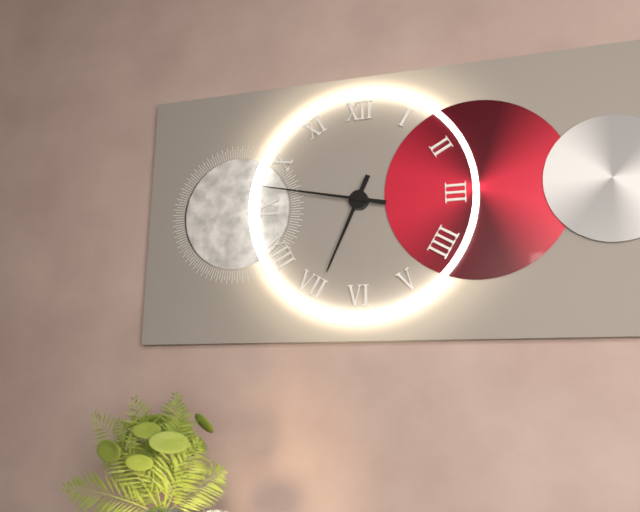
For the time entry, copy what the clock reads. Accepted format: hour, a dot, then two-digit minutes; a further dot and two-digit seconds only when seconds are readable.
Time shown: 6.47
